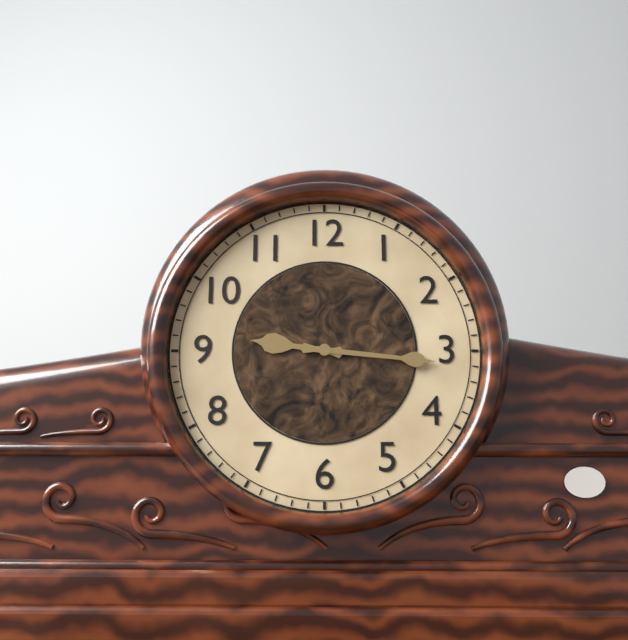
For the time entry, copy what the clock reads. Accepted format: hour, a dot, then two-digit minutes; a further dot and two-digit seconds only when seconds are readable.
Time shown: 9.16
